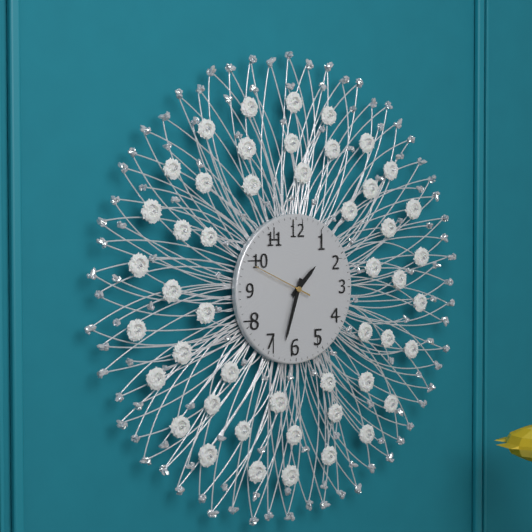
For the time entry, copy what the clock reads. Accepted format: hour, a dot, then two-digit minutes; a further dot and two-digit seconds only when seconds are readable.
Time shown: 1.33.49
